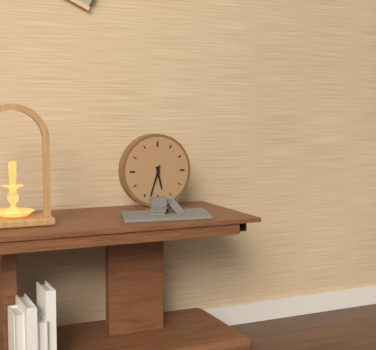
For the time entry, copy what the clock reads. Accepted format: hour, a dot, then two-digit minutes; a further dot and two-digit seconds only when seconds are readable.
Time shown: 5.33
